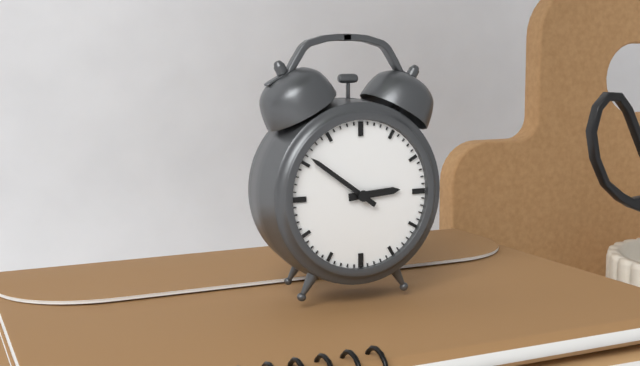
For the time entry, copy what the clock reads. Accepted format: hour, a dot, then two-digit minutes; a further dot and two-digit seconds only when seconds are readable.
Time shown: 2.51
